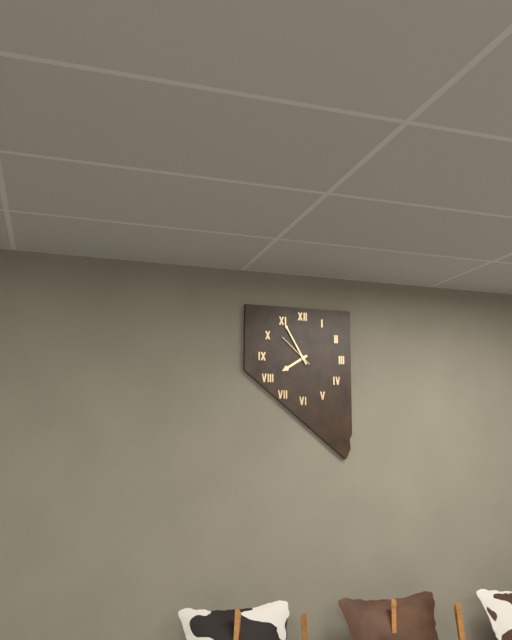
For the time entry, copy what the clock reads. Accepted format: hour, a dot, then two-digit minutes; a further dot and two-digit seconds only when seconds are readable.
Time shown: 7.55
